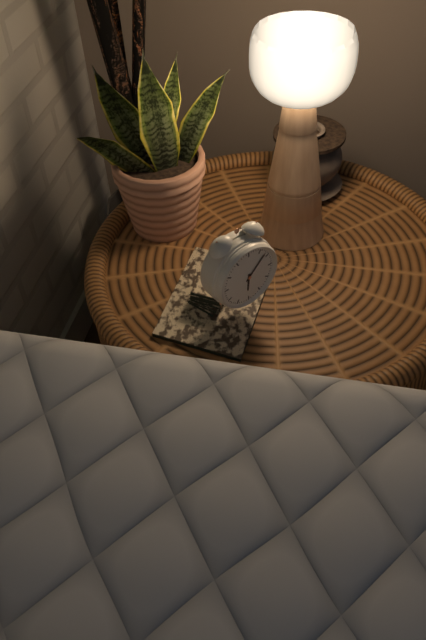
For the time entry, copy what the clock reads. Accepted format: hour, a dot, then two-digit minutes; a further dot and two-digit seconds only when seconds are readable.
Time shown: 6.08
